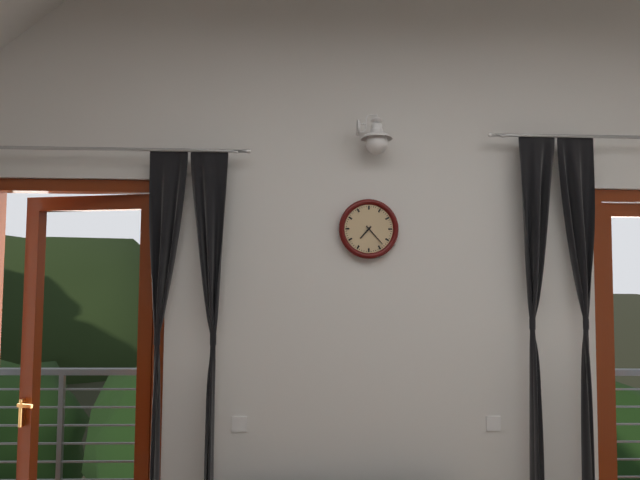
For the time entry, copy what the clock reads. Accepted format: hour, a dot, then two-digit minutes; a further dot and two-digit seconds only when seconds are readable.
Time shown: 7.23
